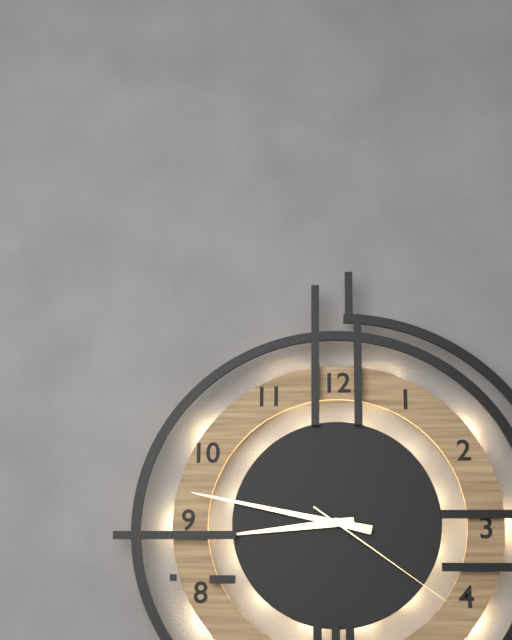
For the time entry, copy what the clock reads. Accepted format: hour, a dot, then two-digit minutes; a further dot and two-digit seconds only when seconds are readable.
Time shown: 8.47.21
